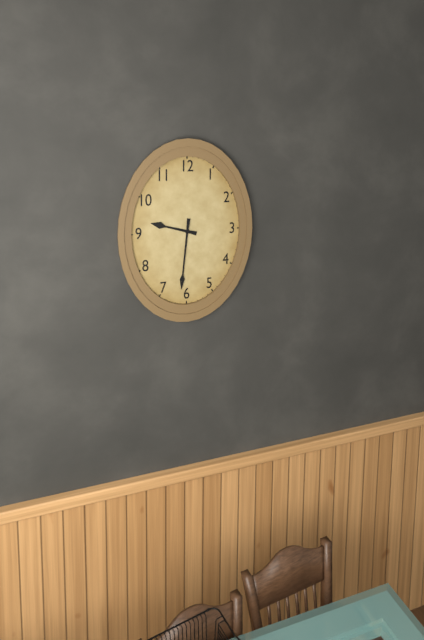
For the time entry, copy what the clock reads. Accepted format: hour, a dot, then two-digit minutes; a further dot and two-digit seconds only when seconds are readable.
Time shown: 9.31
